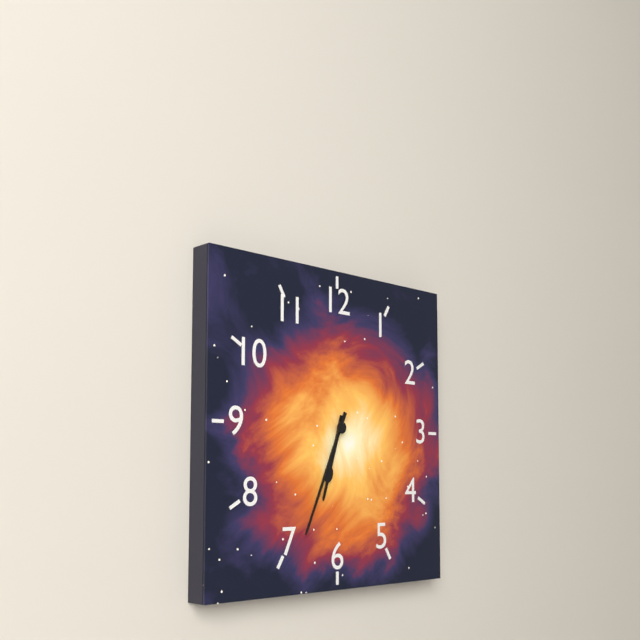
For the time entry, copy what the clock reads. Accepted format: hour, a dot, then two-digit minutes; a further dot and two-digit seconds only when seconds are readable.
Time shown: 6.34
